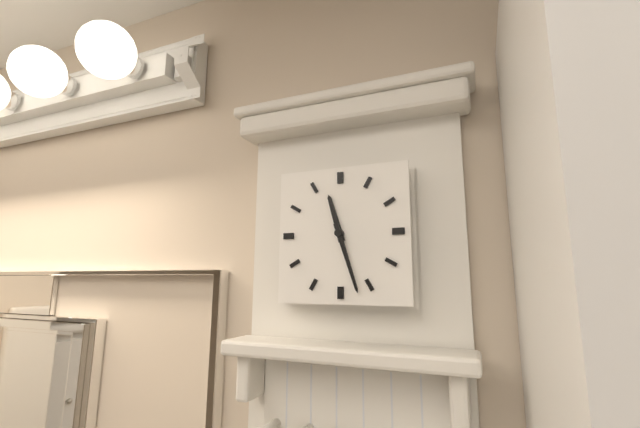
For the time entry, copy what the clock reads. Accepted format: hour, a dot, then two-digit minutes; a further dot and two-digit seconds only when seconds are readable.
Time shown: 11.27
